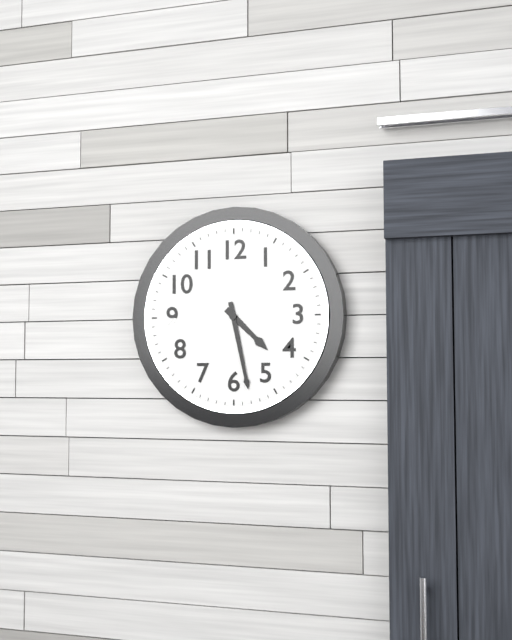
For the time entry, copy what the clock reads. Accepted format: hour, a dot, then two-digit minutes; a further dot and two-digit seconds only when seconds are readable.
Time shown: 4.28
